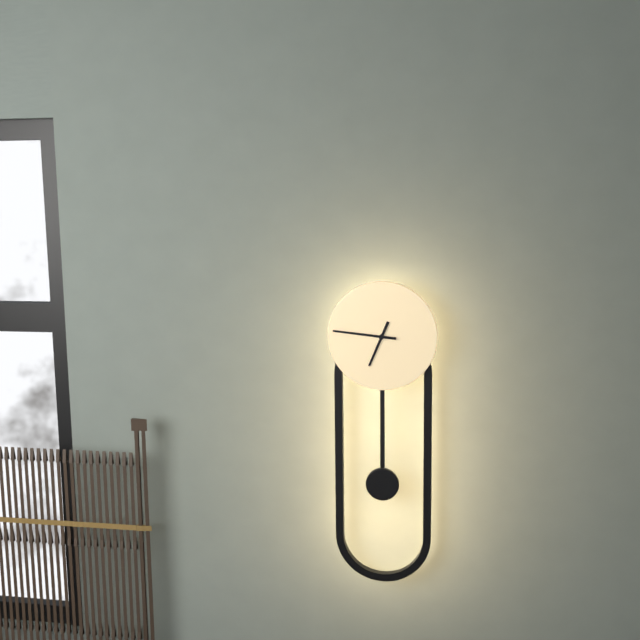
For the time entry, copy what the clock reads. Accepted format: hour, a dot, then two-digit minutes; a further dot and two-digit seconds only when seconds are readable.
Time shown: 6.46
